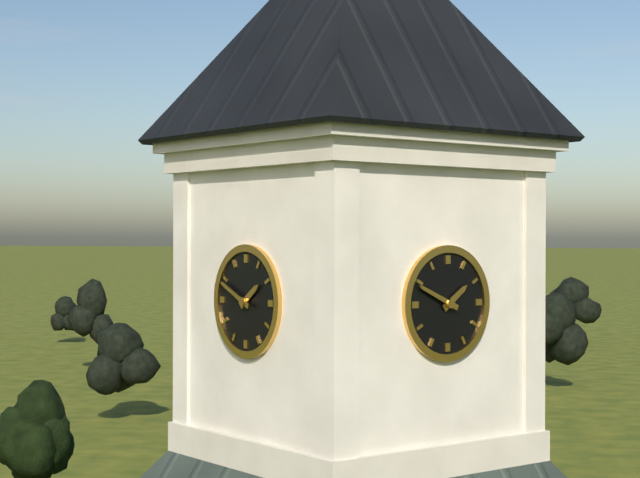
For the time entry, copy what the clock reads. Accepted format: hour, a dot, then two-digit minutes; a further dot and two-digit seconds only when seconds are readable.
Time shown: 1.49
